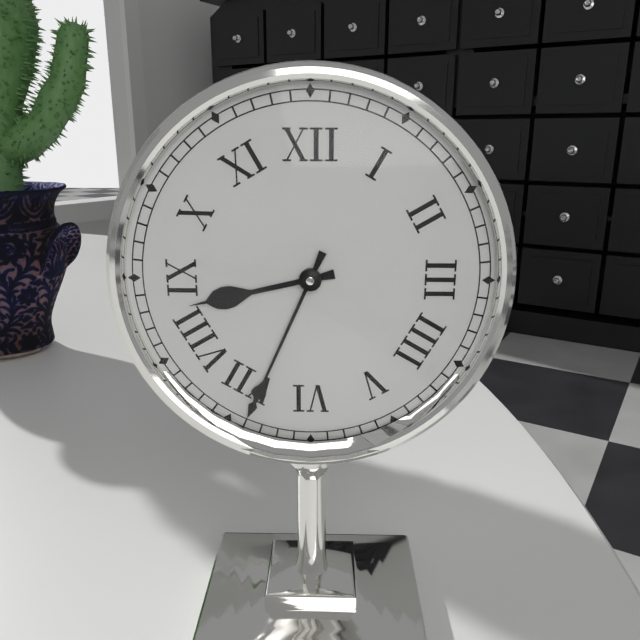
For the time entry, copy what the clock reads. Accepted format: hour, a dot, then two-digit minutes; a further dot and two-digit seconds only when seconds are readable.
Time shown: 8.34
